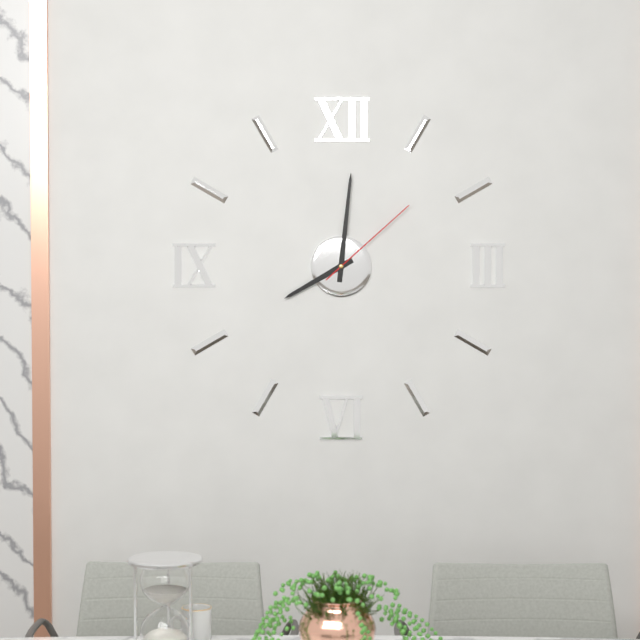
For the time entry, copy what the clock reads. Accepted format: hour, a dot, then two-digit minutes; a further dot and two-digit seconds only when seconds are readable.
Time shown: 8.01.08
